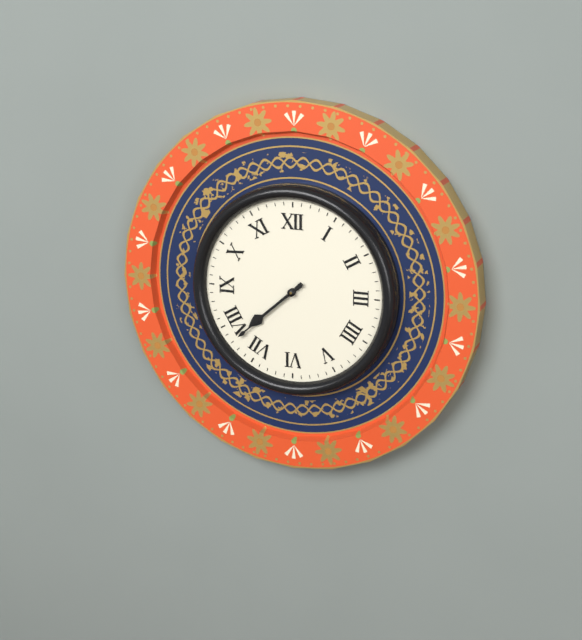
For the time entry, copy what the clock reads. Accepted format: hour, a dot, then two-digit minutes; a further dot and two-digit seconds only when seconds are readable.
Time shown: 7.38
